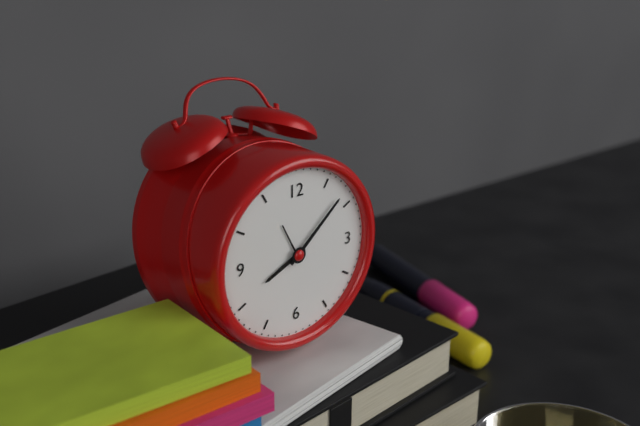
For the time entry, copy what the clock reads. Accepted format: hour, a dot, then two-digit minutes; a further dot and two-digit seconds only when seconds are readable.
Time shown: 8.08
